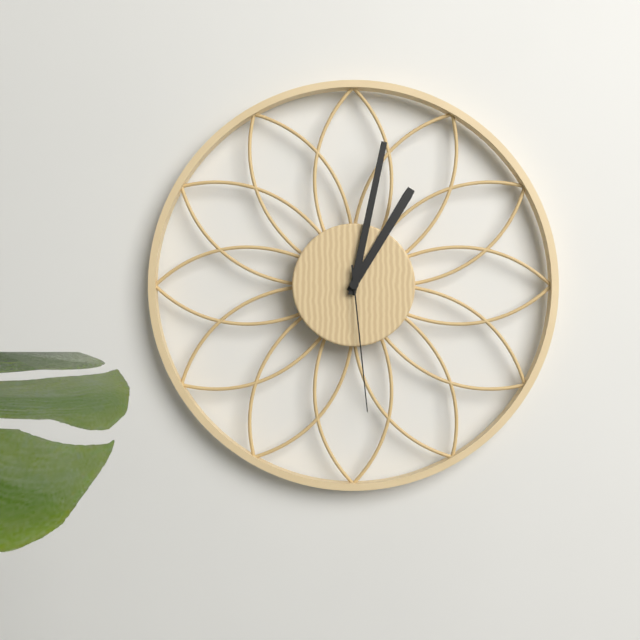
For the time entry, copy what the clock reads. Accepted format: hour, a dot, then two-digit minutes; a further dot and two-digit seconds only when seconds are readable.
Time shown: 1.02.29
